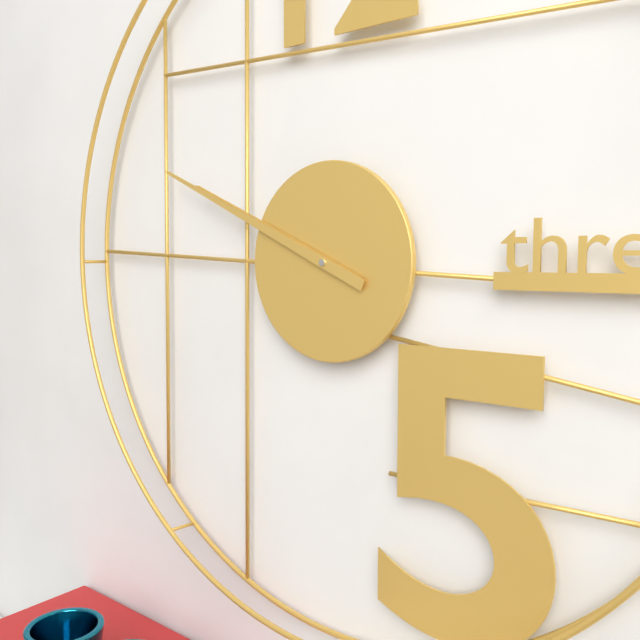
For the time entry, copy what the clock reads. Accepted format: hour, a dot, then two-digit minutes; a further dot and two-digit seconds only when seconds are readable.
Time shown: 9.49
